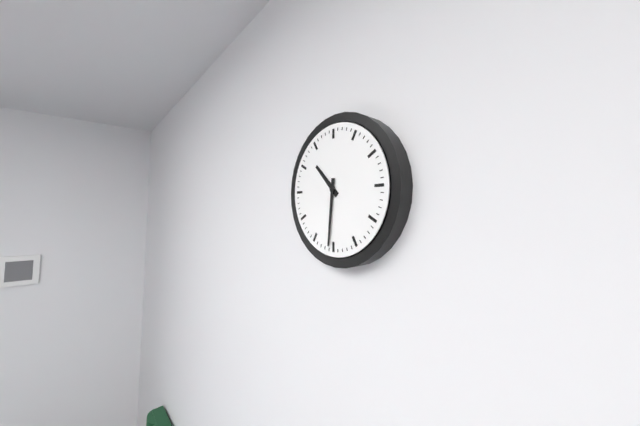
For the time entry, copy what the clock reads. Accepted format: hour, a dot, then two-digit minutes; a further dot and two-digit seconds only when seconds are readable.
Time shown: 10.31
